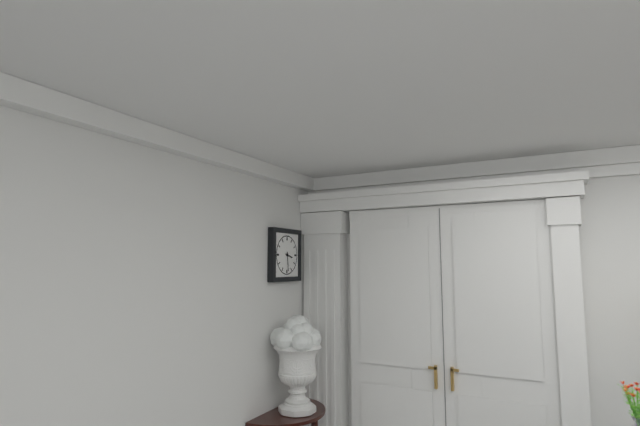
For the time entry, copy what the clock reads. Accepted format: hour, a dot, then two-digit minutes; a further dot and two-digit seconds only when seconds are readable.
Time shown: 3.29
